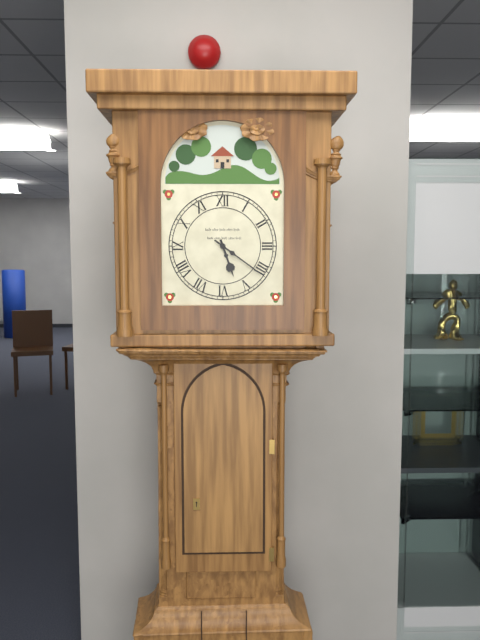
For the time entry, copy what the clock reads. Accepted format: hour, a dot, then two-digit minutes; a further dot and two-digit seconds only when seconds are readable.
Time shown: 5.21
